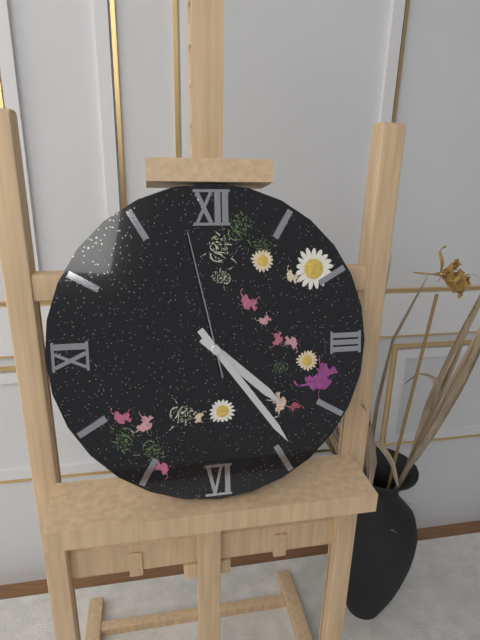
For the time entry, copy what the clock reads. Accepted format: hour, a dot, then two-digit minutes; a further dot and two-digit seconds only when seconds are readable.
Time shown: 4.24.58
